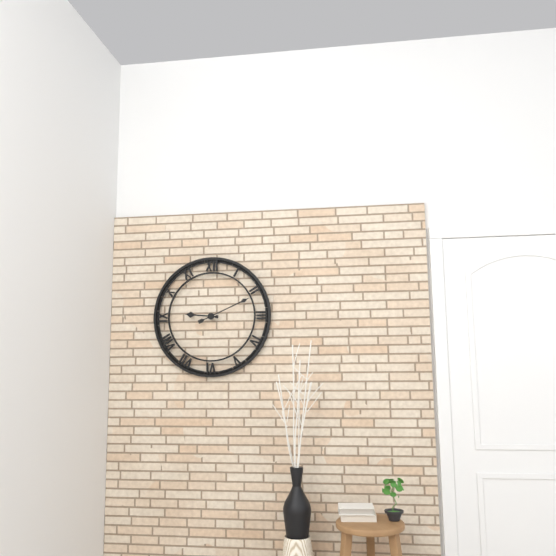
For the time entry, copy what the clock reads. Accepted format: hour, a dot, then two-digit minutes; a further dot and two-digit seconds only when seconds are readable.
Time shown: 9.11
